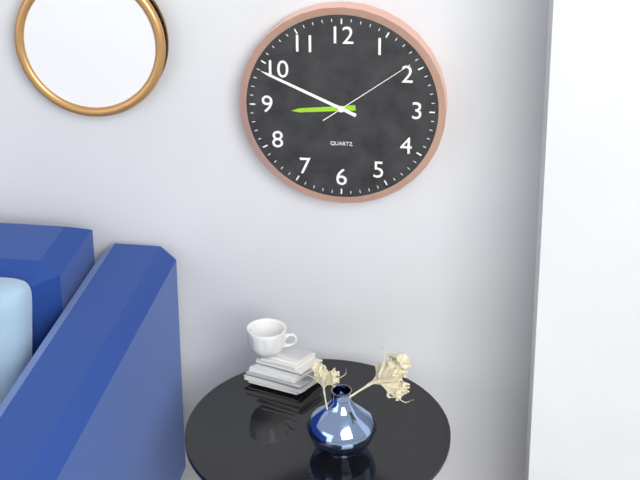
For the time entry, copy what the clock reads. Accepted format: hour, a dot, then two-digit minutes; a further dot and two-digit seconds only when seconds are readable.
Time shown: 8.49.09
